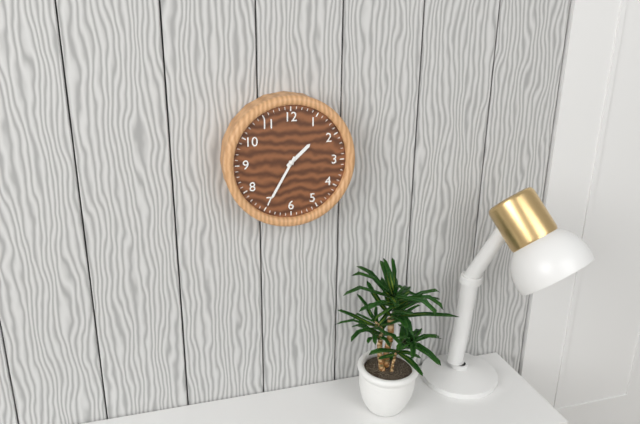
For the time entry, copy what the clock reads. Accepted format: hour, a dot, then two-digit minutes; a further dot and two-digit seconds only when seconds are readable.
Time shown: 1.35
